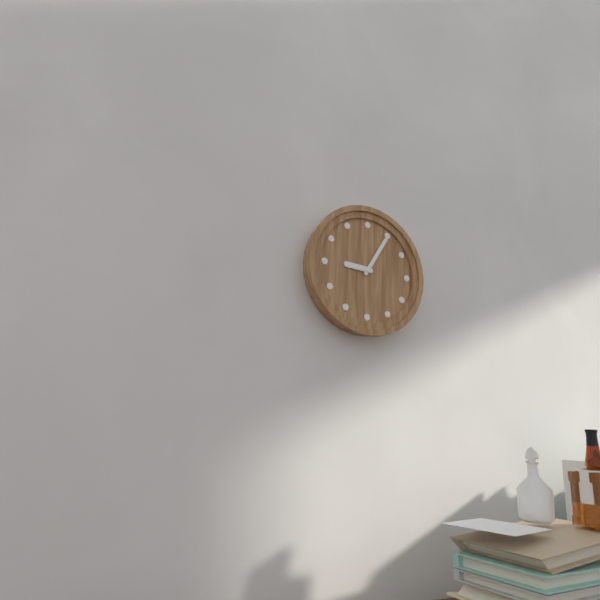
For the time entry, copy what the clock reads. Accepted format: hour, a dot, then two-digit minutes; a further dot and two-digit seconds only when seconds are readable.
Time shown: 9.05
